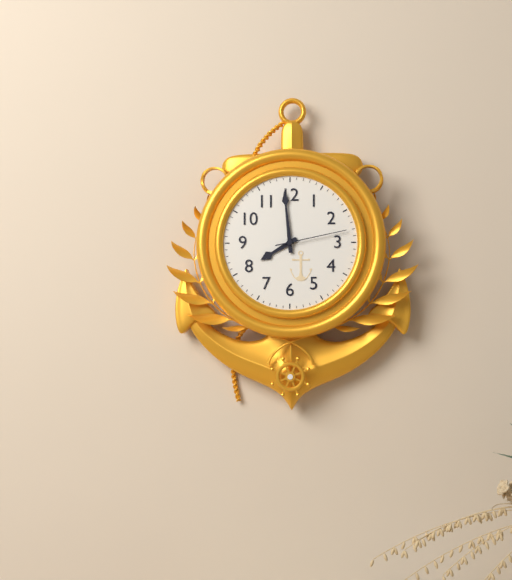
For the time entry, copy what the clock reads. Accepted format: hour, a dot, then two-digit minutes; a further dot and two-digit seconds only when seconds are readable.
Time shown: 7.59.13
